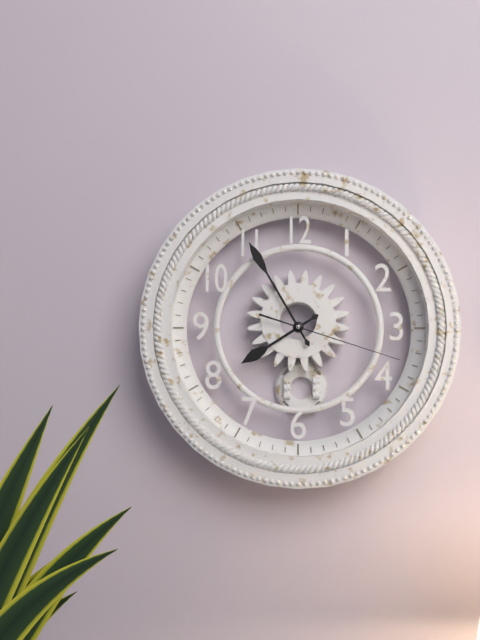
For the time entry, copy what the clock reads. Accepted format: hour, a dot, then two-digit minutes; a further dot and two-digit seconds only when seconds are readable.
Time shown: 7.55.18
